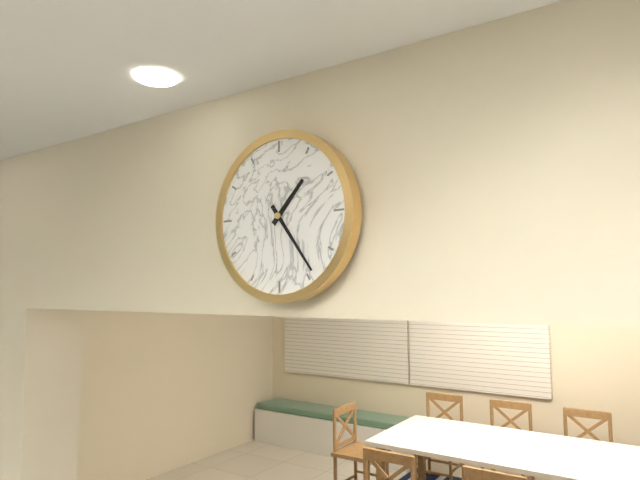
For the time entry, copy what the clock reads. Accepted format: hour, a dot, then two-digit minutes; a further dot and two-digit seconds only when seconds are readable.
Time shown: 1.24
